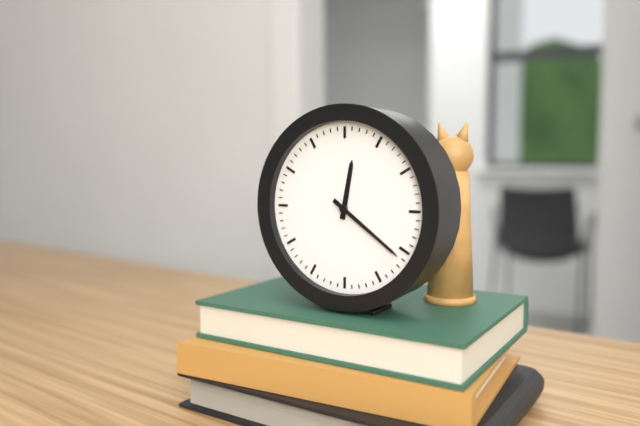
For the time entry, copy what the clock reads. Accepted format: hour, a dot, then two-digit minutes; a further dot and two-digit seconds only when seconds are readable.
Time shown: 12.21
